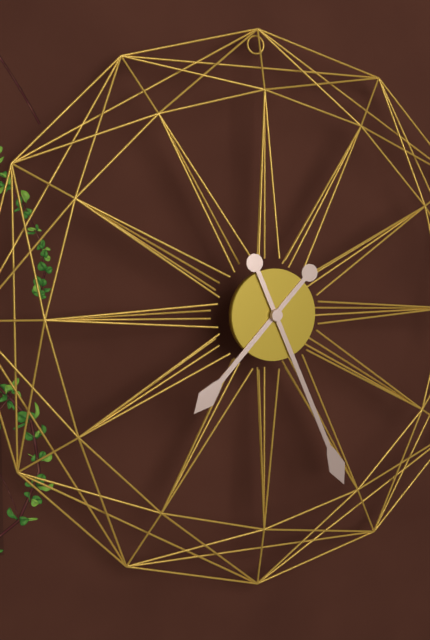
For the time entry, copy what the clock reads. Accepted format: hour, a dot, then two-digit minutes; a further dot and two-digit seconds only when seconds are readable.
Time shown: 7.26
